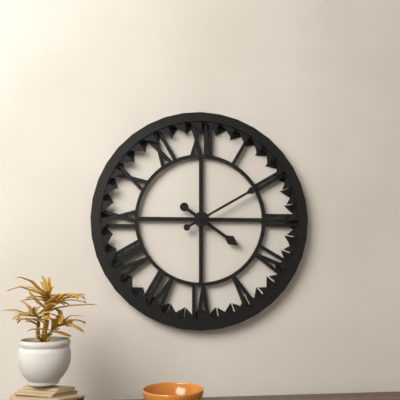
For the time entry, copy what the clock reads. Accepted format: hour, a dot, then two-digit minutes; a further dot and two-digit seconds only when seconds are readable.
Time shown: 4.10
